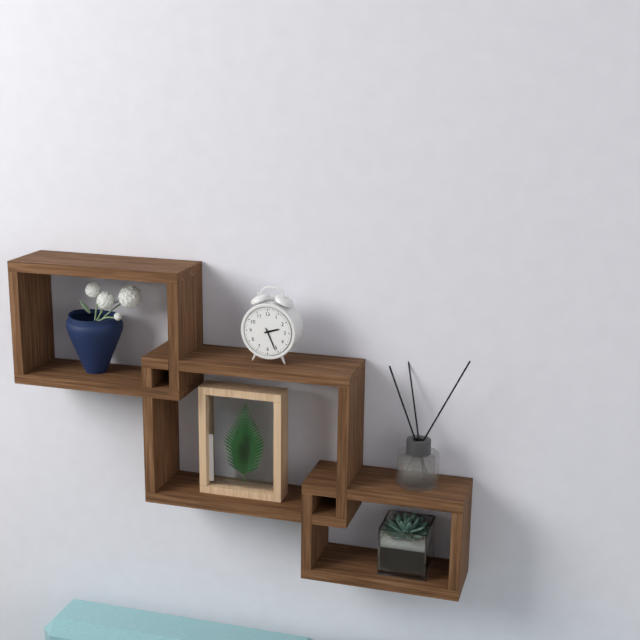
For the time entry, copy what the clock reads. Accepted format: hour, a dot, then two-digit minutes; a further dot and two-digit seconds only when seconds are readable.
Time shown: 2.26
